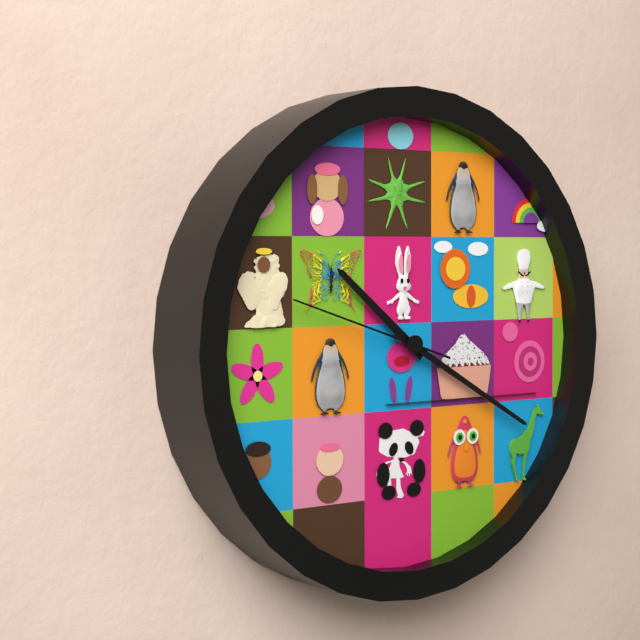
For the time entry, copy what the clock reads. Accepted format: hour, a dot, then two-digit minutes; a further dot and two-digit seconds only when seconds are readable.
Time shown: 10.20.48
